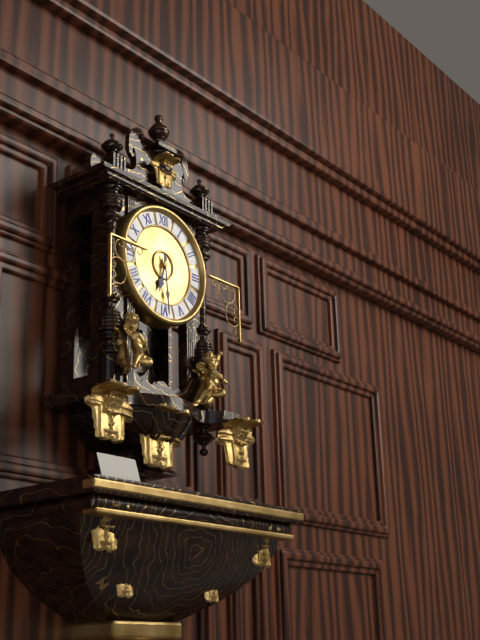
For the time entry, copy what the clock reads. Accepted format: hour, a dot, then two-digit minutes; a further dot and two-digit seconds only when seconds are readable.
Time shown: 6.29
